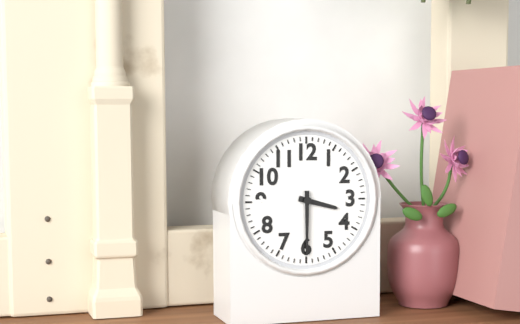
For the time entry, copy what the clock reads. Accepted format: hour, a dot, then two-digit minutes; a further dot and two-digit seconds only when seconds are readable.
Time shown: 3.30
